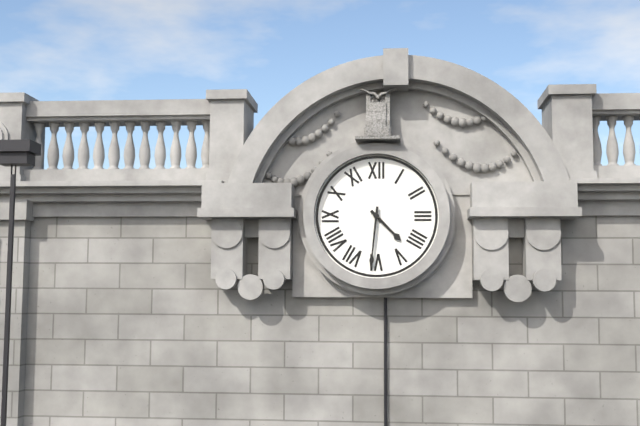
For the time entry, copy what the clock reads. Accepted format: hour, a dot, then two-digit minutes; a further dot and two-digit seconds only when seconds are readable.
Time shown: 4.31
